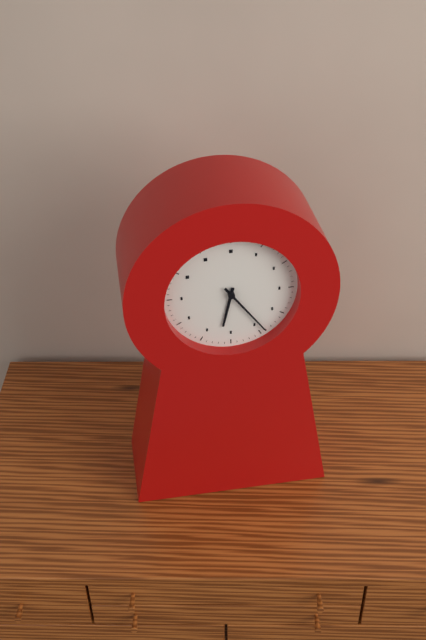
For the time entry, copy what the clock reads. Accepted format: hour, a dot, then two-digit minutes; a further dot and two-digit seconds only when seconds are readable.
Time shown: 6.24
